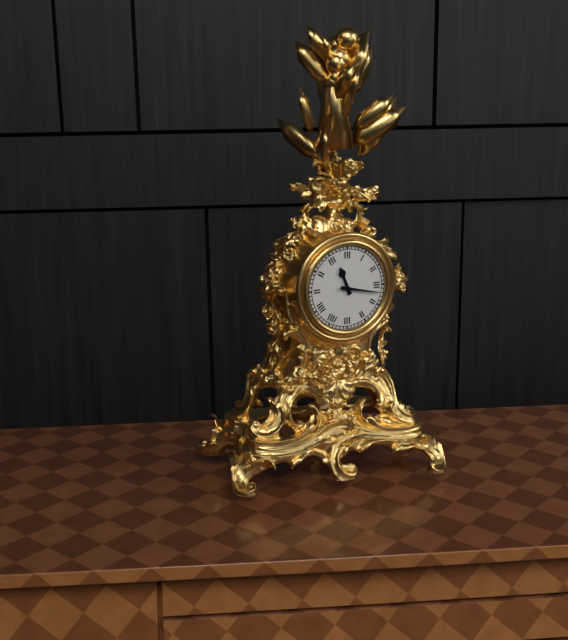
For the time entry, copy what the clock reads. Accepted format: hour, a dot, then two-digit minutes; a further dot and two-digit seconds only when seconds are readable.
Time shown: 11.17
